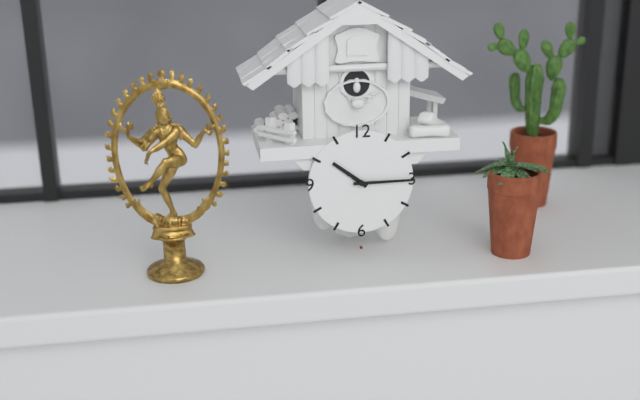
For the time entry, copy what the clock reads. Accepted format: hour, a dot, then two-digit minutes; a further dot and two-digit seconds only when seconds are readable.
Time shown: 10.15
